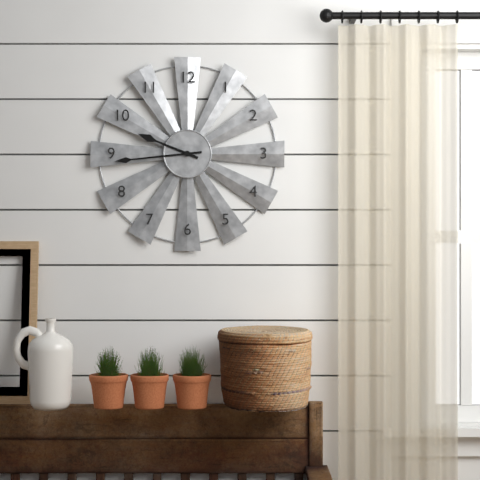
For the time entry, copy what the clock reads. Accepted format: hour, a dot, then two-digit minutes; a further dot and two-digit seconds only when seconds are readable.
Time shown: 9.44
